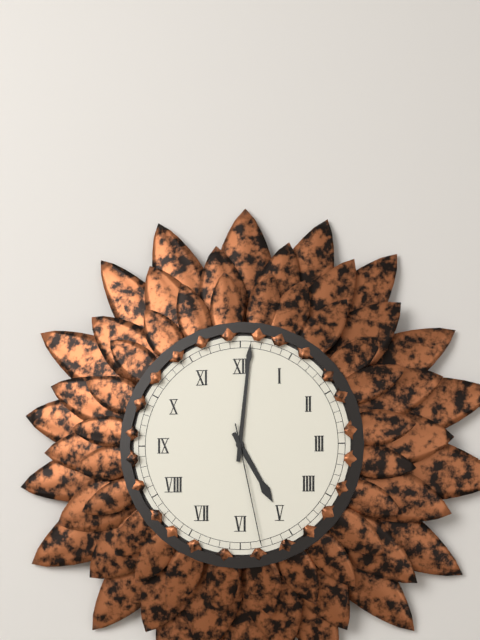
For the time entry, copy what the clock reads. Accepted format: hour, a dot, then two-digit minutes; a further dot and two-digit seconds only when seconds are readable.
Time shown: 5.01.28
